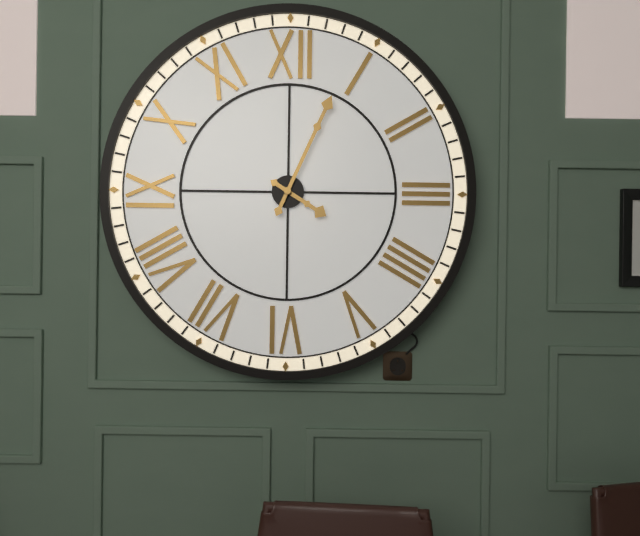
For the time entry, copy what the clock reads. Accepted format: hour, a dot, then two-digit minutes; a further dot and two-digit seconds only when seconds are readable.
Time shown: 4.04
